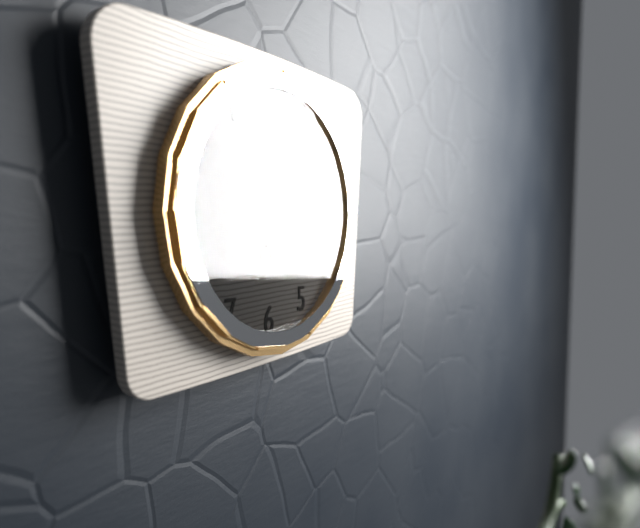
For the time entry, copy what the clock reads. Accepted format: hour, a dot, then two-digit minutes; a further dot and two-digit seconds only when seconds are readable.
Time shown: 1.00
